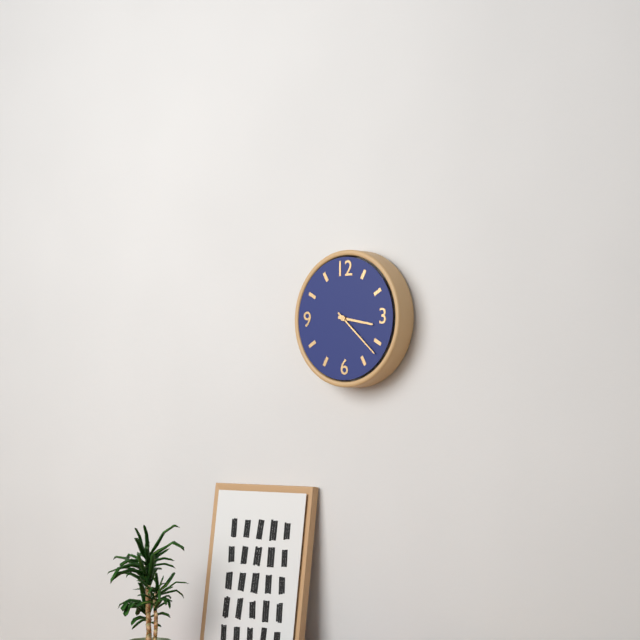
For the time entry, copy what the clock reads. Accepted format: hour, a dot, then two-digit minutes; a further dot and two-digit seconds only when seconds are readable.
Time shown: 3.22
